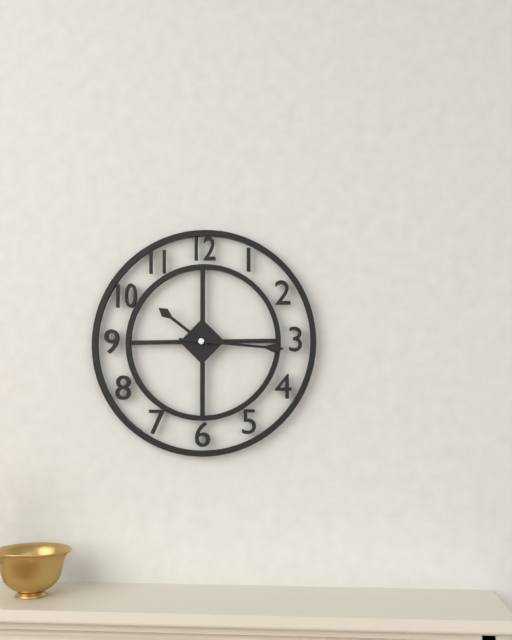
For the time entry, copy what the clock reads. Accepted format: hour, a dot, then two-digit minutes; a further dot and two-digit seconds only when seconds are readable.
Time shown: 10.16
